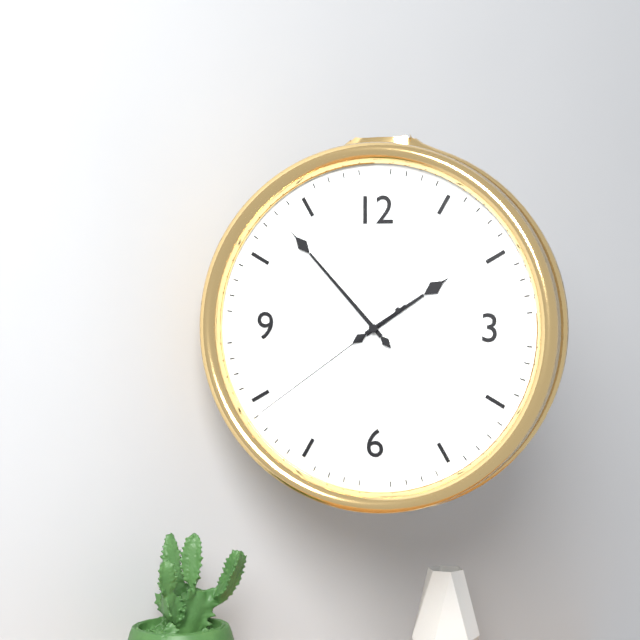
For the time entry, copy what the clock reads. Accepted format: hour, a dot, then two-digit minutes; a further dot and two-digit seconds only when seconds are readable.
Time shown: 1.53.39
